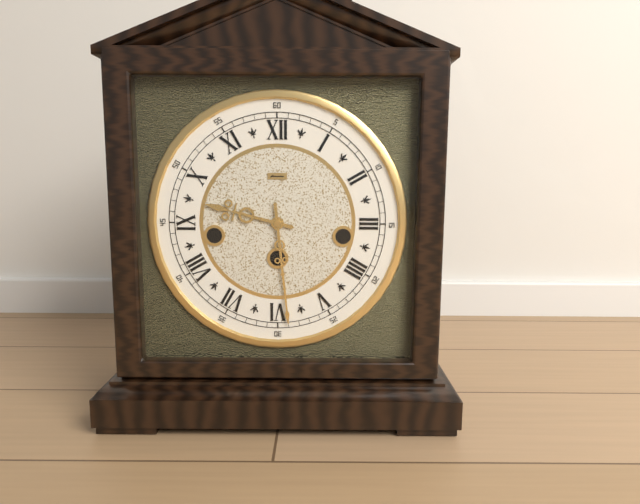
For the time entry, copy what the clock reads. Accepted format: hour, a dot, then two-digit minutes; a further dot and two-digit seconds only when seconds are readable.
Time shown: 9.29
